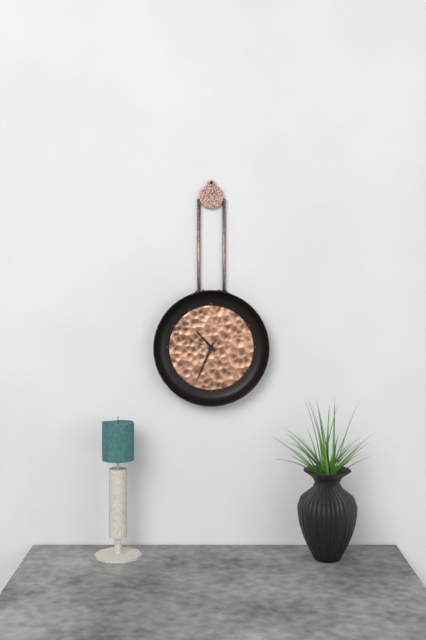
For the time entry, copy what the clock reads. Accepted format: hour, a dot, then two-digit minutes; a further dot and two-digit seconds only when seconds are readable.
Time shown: 10.34
